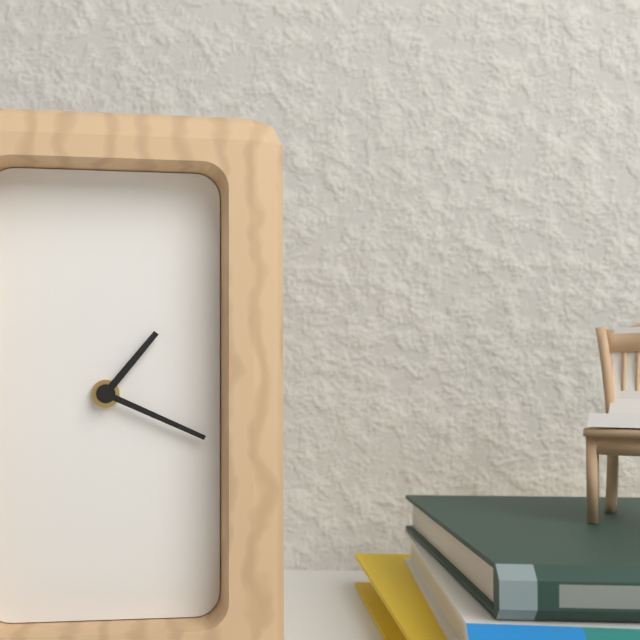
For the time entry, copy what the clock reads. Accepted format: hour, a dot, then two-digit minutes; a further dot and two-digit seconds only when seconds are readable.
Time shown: 1.19
